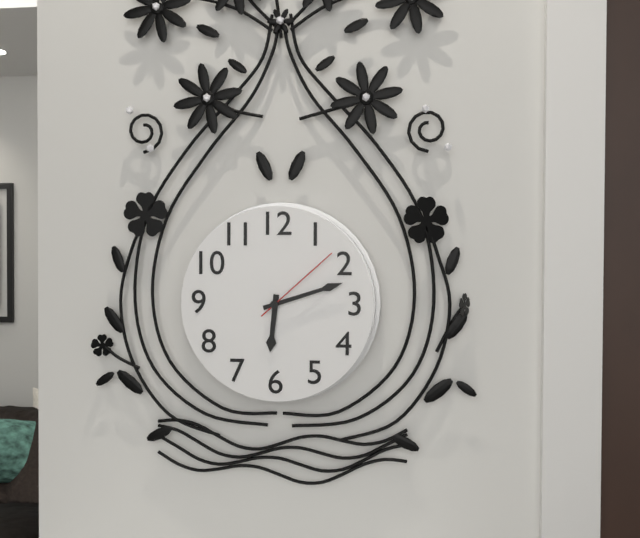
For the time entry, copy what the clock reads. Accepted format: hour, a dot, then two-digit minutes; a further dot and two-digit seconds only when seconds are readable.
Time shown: 6.12.08
